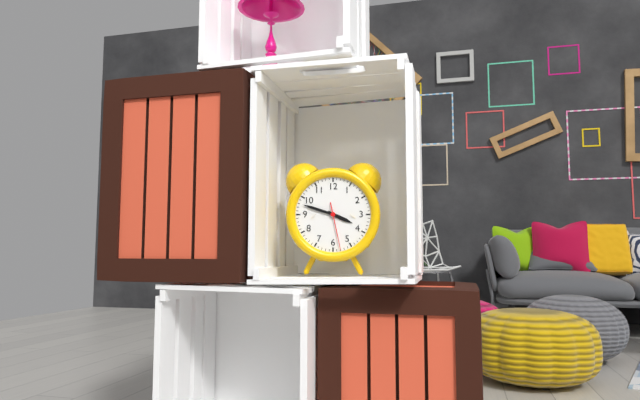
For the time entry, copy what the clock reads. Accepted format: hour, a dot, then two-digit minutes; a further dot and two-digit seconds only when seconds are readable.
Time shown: 3.48
